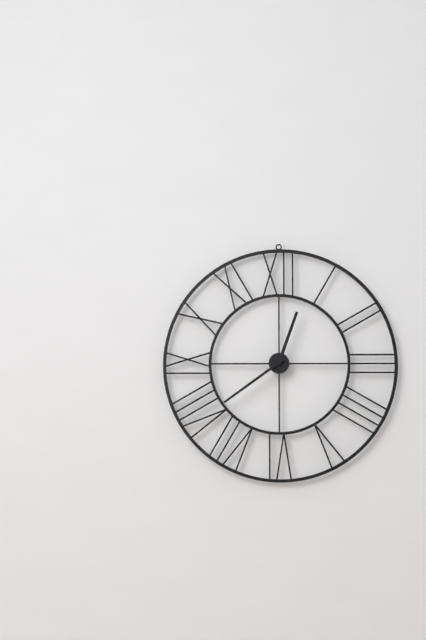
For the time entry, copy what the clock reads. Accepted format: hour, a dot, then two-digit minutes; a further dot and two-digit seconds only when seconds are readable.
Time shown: 12.39
